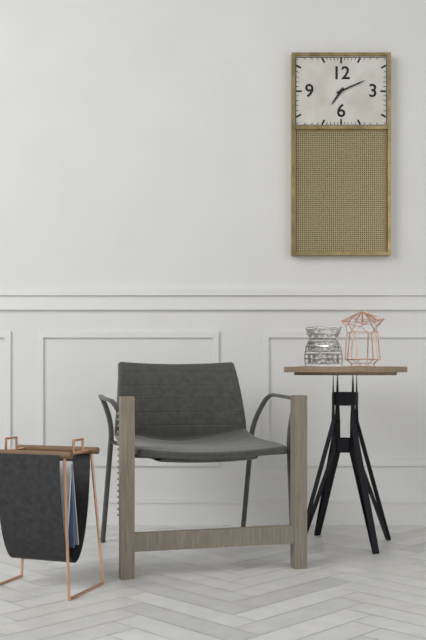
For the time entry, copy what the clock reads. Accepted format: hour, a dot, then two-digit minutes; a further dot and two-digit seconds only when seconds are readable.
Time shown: 7.11
